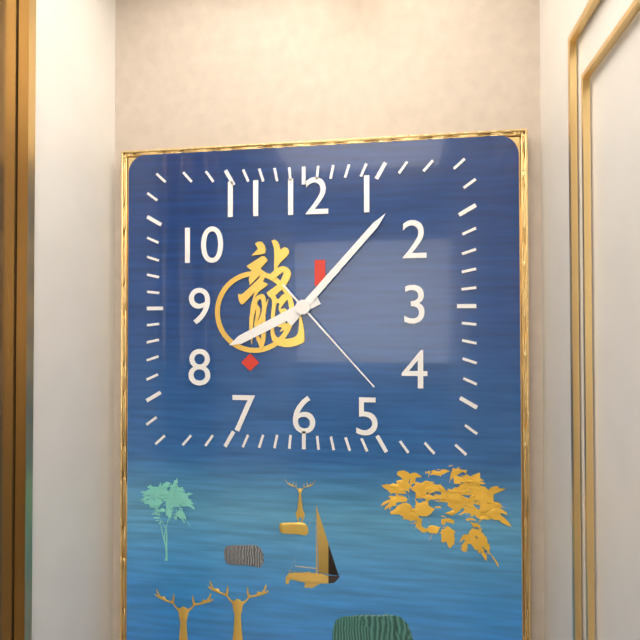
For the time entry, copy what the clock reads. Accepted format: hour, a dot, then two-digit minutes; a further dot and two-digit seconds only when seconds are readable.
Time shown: 8.07.23
